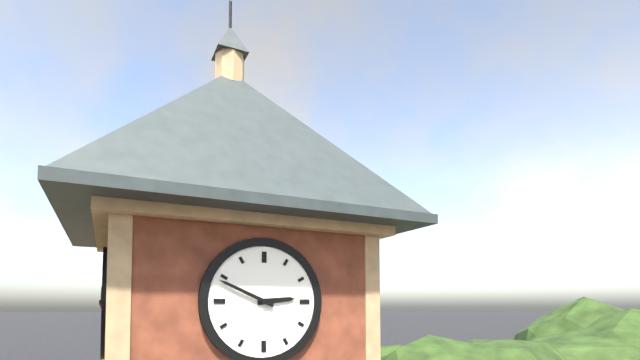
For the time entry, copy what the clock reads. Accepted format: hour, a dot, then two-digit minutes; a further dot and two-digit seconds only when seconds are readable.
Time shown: 2.49
